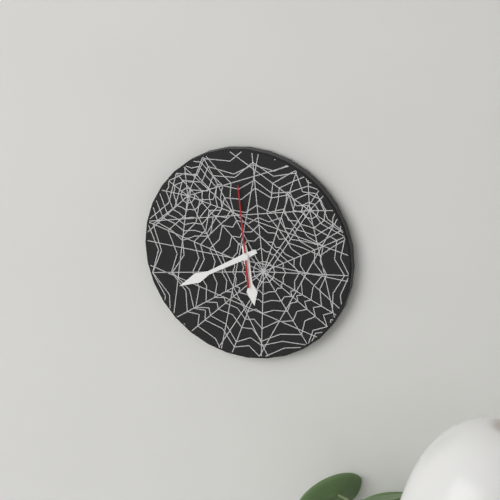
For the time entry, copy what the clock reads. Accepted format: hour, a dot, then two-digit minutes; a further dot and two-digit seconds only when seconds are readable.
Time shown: 5.40.59
